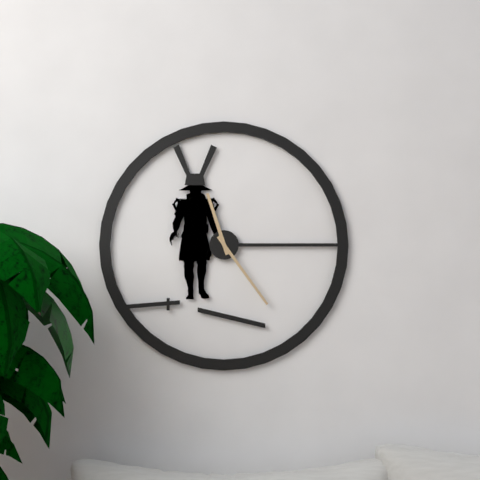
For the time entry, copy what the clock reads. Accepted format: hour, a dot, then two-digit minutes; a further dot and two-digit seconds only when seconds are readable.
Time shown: 11.24
